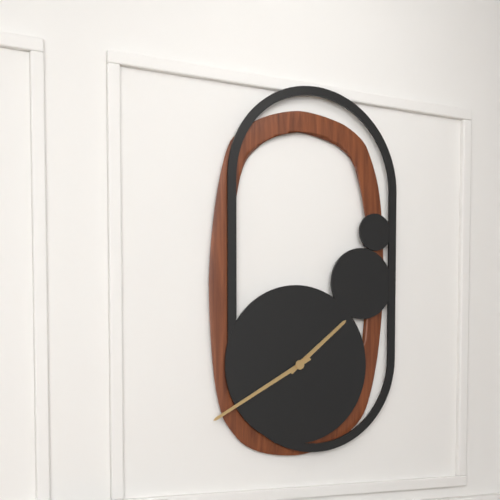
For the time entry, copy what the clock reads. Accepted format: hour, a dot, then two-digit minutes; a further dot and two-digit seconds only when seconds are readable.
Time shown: 1.40
